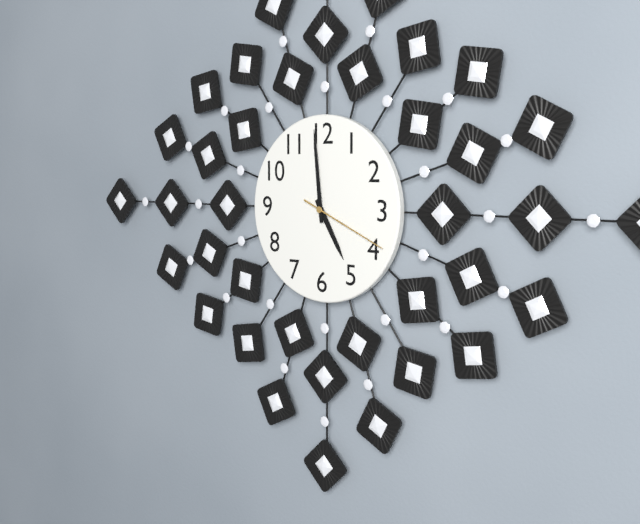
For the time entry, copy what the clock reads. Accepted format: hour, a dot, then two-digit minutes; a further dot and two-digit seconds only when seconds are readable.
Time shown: 4.59.19
